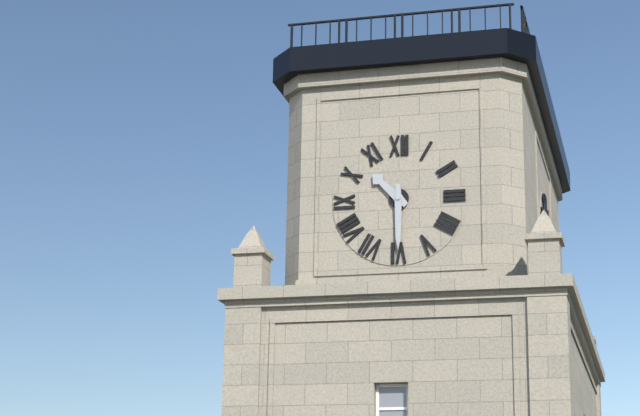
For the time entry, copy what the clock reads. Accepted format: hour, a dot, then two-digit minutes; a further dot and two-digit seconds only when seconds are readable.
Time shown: 10.30
